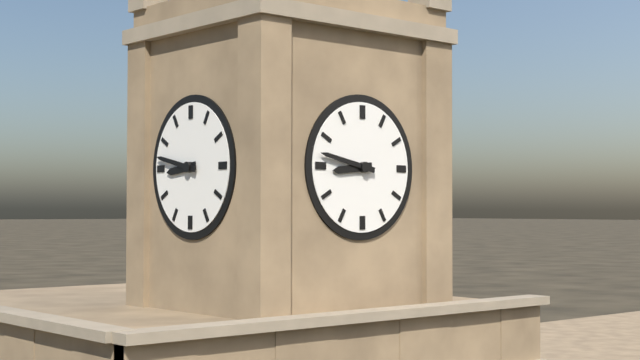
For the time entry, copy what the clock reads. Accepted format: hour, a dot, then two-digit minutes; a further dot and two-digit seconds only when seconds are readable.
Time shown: 8.47
